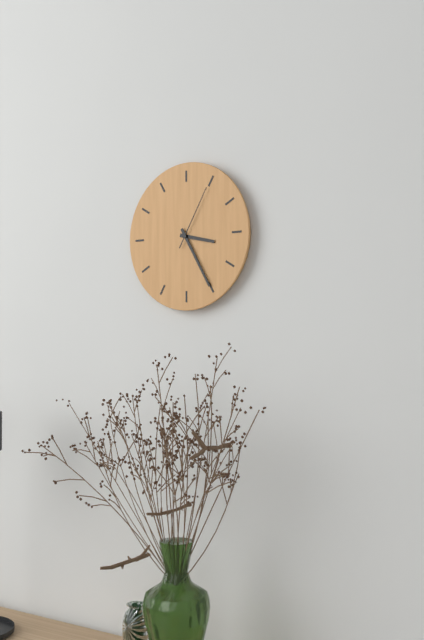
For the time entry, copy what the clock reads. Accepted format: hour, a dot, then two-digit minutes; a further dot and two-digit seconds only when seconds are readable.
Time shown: 3.25.05
